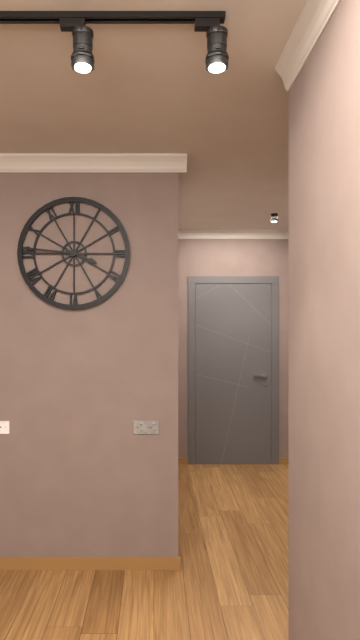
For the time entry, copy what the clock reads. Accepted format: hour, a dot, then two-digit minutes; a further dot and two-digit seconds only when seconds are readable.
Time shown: 3.46
